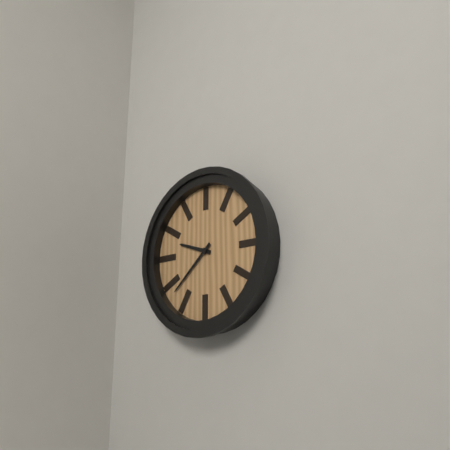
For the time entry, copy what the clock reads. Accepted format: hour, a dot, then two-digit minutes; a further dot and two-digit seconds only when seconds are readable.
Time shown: 9.38
